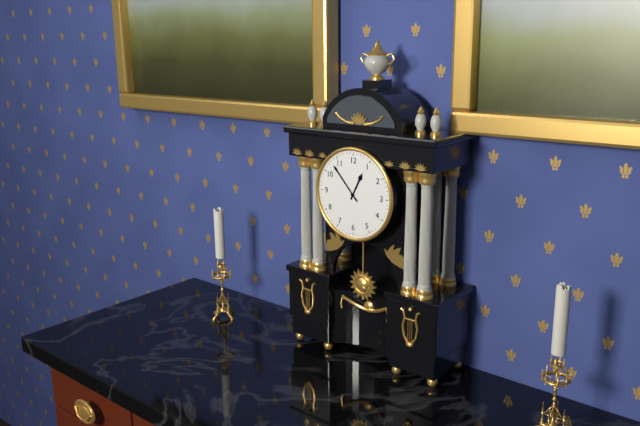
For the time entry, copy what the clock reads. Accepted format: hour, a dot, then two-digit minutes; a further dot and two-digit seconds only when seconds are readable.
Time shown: 12.53
